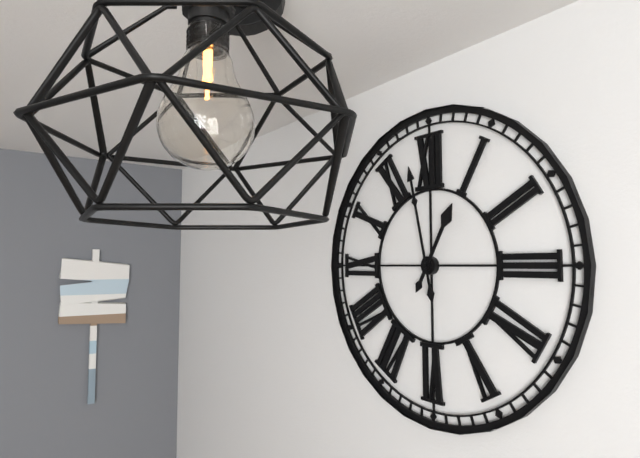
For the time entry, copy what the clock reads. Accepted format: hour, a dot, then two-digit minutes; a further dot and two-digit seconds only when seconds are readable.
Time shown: 12.58
